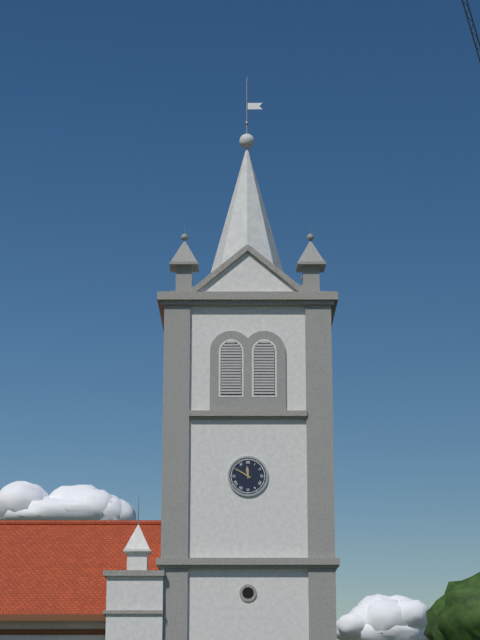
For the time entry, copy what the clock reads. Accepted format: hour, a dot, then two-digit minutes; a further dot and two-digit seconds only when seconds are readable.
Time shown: 11.50
